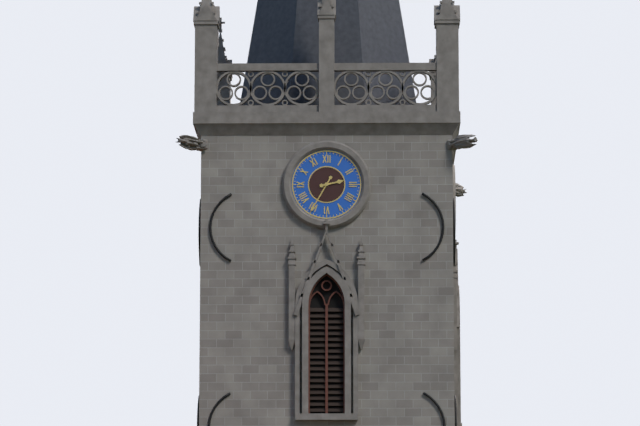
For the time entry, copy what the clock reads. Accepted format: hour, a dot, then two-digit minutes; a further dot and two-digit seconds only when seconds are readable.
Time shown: 2.35
